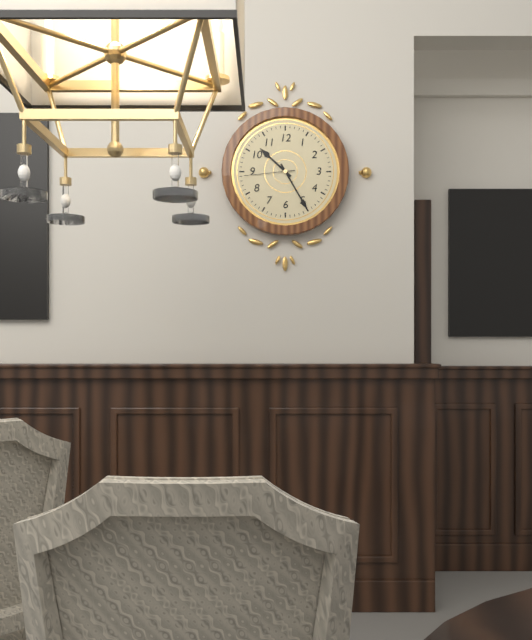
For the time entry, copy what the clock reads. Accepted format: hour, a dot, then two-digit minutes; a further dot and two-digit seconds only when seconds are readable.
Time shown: 10.25.44
